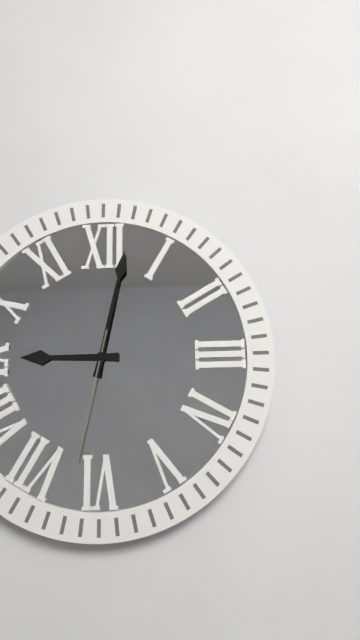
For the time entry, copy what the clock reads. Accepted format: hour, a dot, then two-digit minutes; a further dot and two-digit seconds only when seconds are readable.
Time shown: 9.02.32
